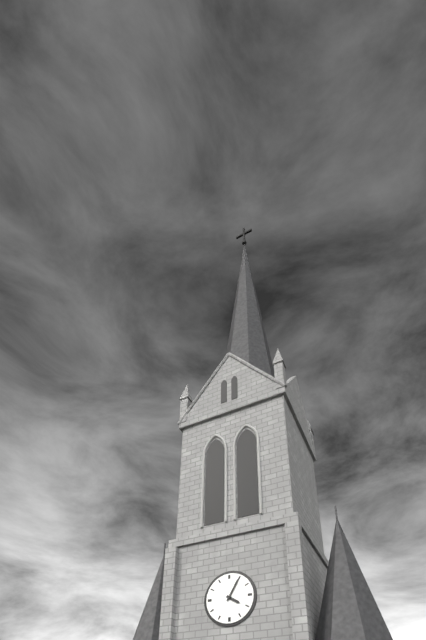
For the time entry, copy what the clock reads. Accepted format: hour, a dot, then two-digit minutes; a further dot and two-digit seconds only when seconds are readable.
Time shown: 4.05
